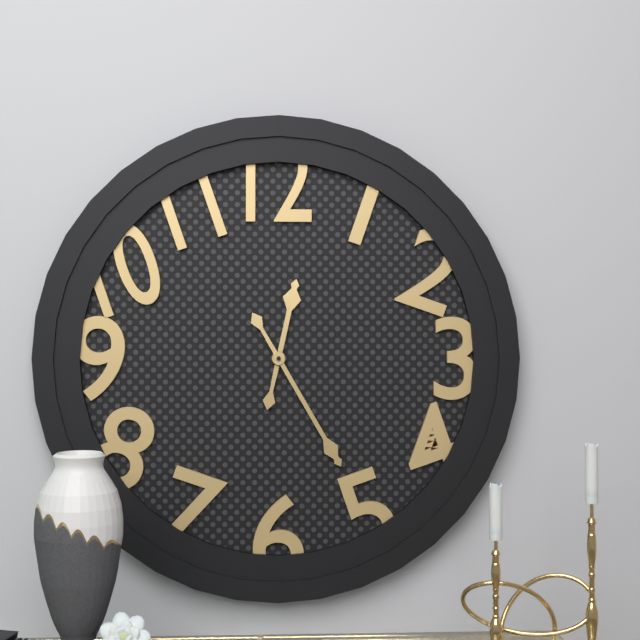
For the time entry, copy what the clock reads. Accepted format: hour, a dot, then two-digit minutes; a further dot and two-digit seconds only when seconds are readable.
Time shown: 12.25
